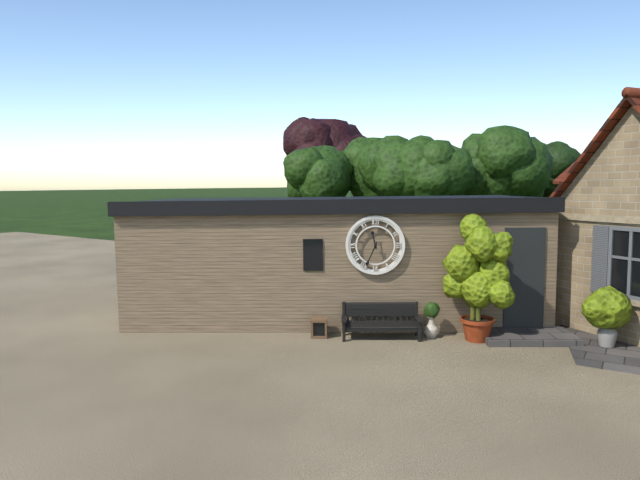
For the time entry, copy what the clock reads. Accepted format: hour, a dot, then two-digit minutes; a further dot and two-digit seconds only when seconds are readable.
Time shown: 11.34
